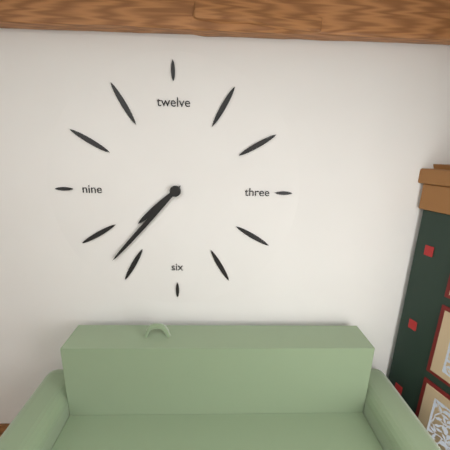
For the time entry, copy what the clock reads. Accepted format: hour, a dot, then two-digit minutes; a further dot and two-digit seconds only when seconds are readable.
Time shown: 7.37
